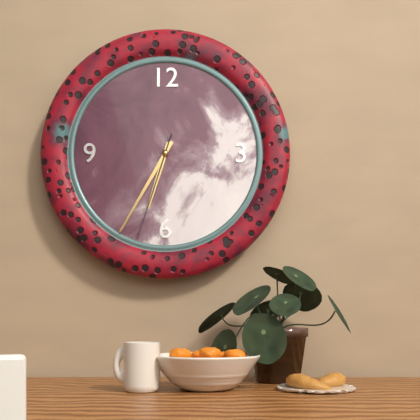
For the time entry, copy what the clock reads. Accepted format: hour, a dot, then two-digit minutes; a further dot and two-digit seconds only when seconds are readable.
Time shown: 6.35.33
